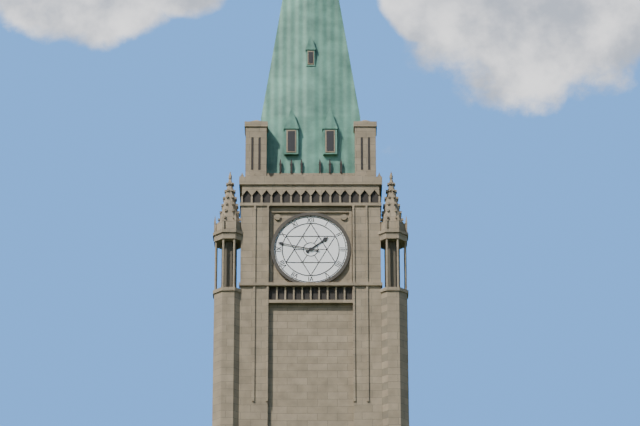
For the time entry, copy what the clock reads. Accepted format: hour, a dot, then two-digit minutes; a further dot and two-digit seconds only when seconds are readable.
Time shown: 1.47
